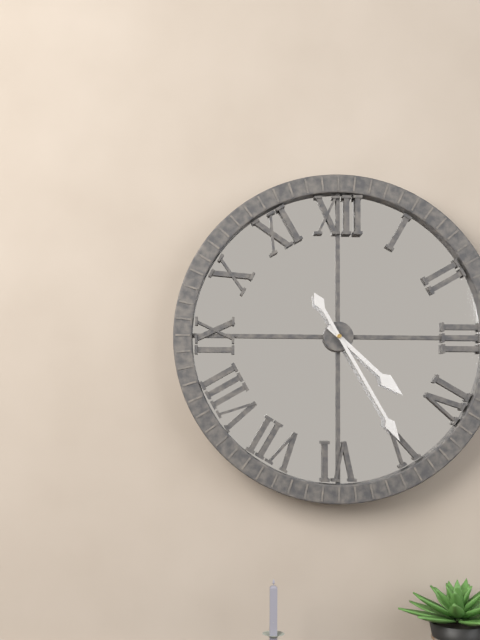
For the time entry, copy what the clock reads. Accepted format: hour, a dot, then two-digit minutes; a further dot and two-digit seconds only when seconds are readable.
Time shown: 4.25
